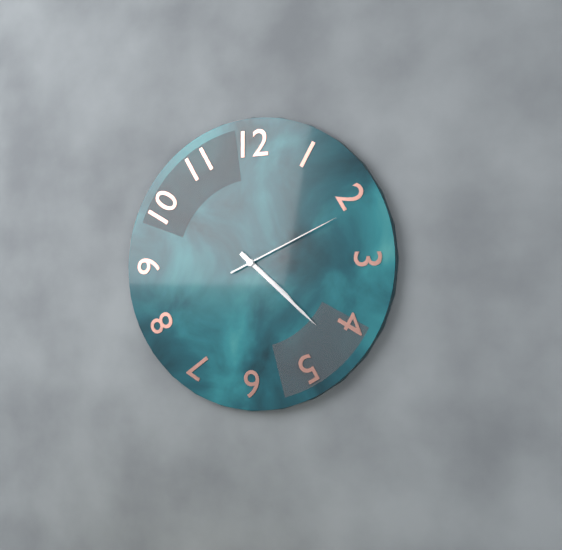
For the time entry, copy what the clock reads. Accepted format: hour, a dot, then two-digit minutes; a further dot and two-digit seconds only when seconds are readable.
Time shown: 4.22.11
